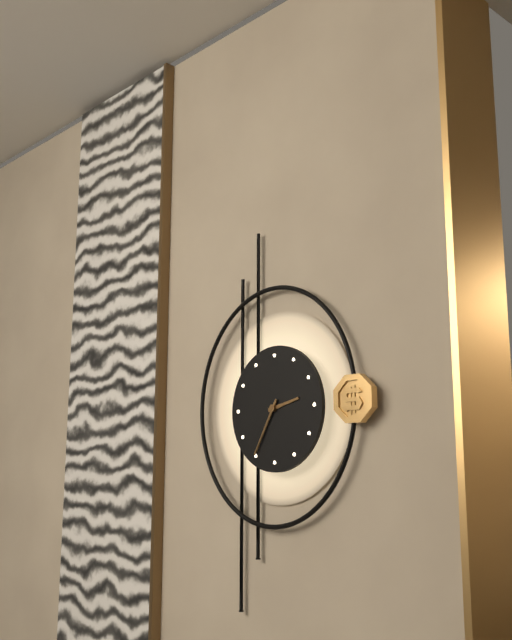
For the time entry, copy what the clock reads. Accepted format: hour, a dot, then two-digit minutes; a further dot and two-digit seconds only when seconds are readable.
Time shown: 2.35
